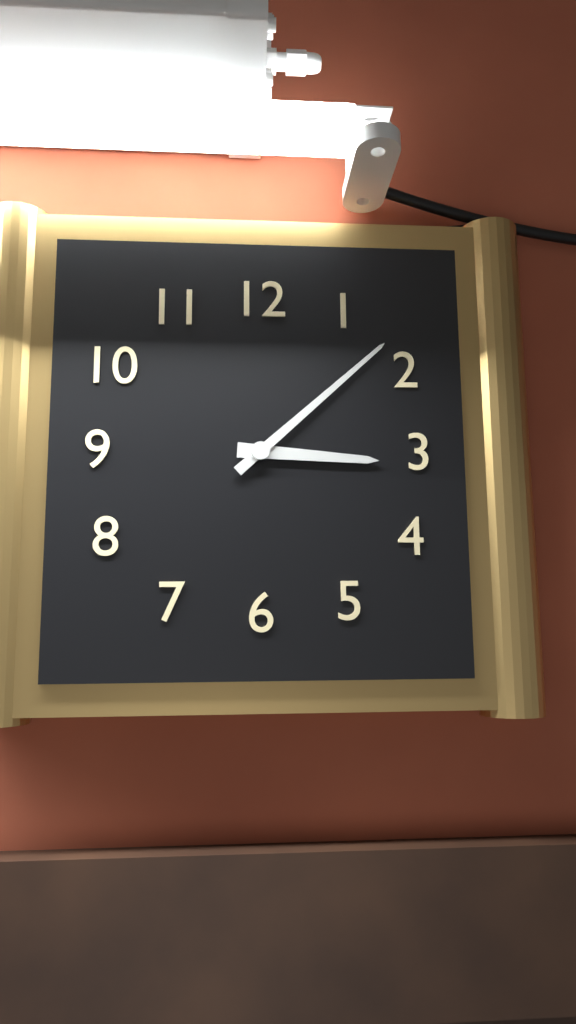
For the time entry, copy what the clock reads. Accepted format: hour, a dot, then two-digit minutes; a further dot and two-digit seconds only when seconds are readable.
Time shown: 3.08
